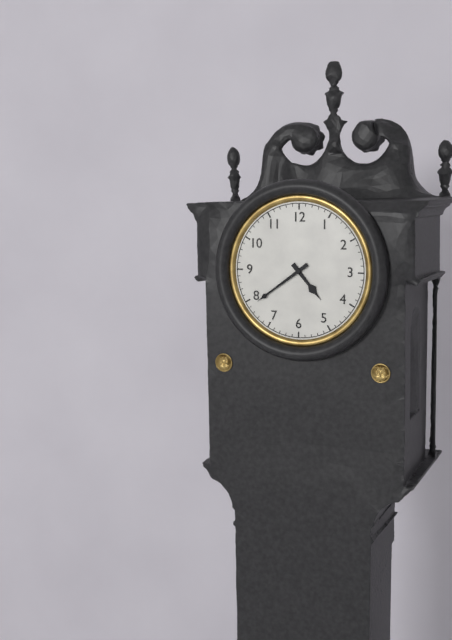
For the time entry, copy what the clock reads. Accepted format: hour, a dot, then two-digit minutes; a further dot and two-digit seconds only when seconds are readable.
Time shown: 4.39
